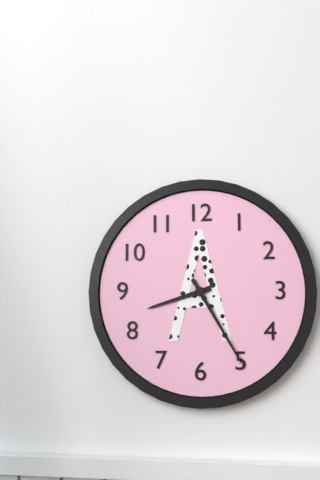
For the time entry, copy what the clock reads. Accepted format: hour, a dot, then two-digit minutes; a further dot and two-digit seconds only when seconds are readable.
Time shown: 8.25
